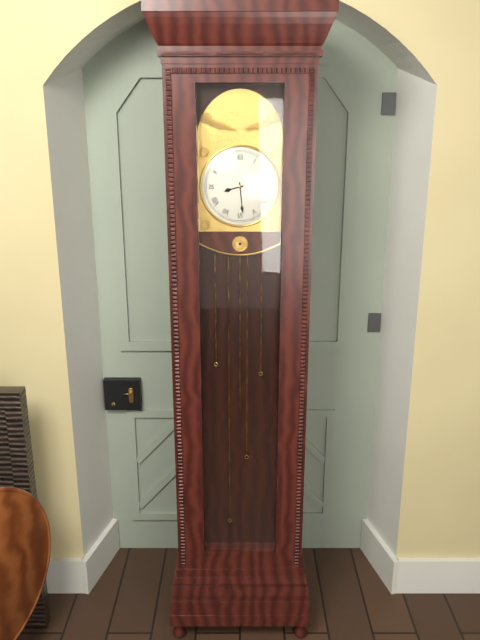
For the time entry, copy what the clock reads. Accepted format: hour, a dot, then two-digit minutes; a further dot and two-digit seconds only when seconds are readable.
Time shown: 8.29
